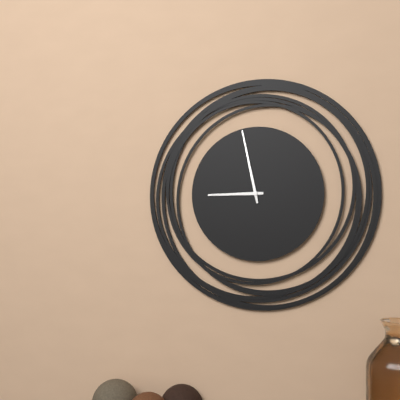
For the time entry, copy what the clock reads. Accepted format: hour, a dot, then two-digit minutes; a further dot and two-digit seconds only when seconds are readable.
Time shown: 8.58
